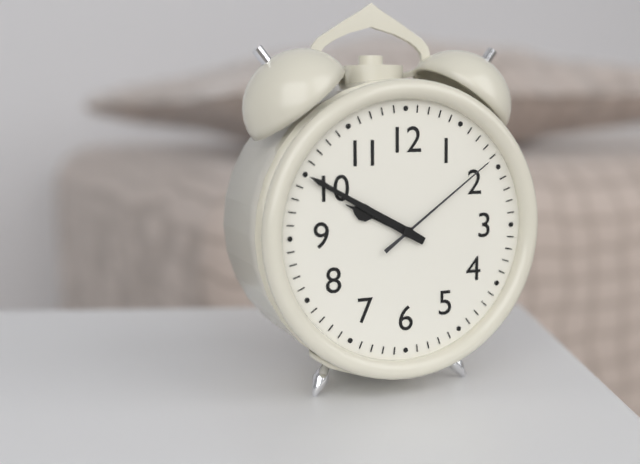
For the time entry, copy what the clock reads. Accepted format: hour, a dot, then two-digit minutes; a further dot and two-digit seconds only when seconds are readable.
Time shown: 9.50.09
